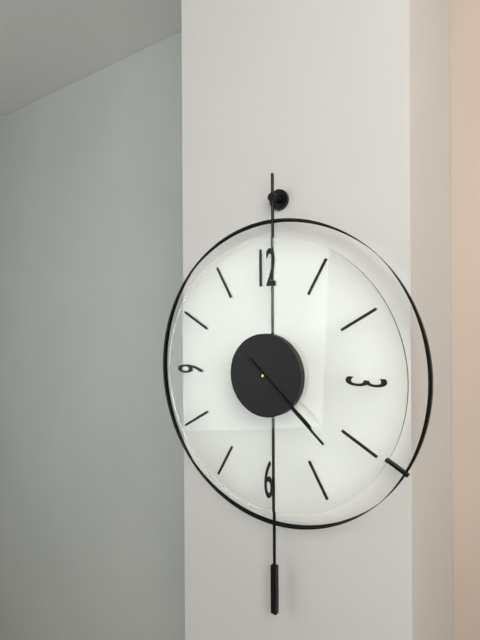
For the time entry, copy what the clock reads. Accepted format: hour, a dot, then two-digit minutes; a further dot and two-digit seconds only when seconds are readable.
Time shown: 4.22
